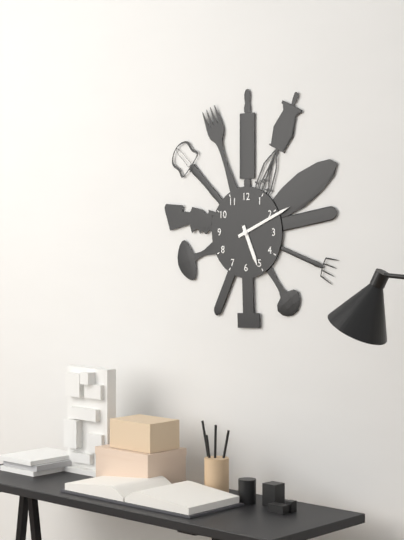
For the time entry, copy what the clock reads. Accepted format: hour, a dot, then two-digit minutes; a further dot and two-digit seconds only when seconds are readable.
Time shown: 5.11
